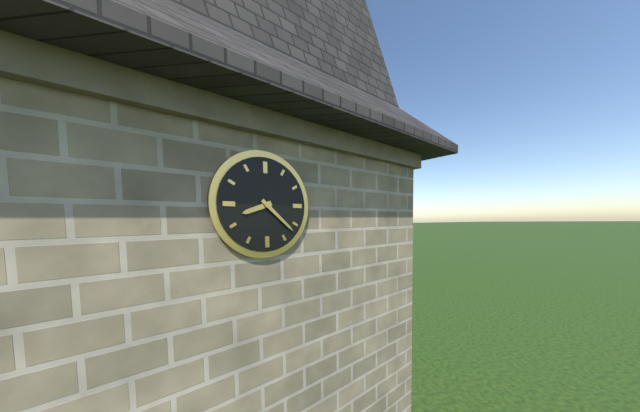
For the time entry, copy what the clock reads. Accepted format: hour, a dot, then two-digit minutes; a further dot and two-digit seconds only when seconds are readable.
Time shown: 8.22
